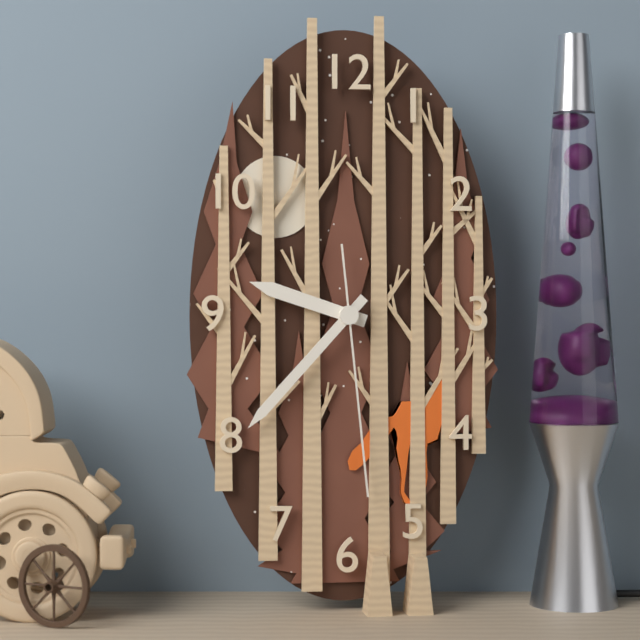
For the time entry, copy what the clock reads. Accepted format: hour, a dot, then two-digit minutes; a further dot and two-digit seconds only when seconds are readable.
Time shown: 9.37.29
